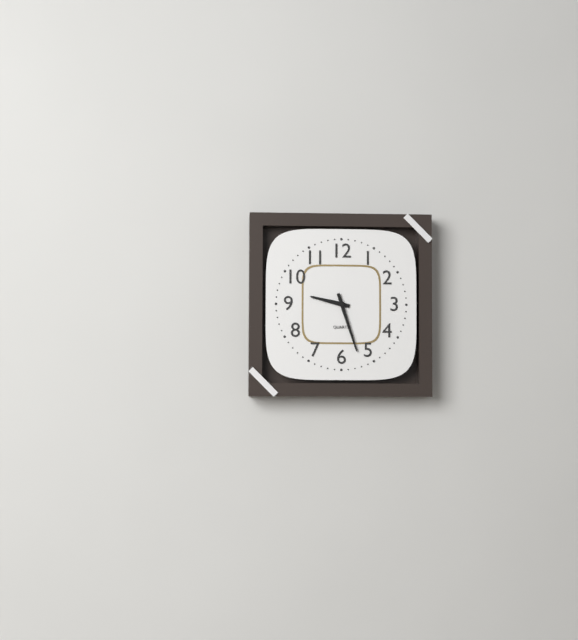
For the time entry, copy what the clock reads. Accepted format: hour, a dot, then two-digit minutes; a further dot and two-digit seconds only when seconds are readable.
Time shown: 9.27
